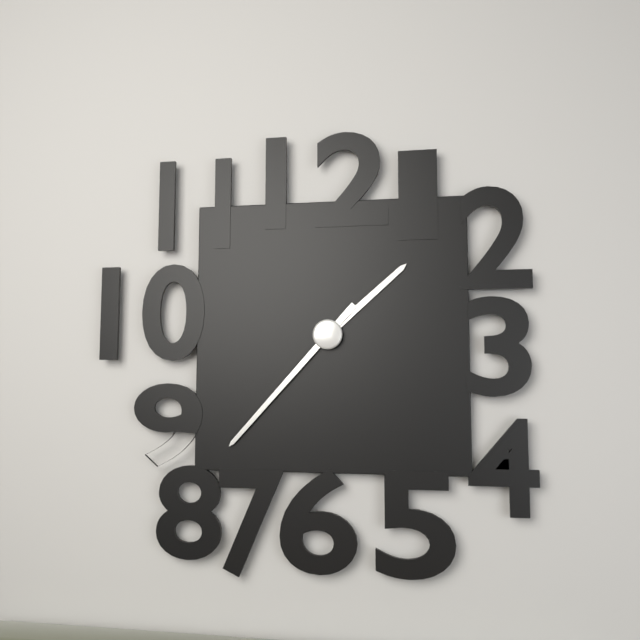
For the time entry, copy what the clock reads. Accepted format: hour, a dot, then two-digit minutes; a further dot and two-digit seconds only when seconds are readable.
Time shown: 1.37
